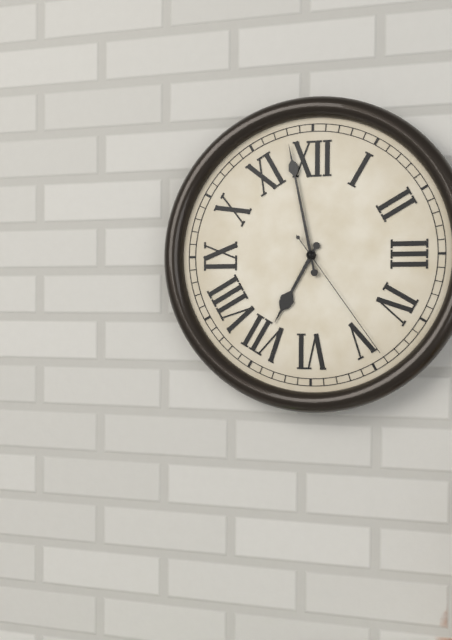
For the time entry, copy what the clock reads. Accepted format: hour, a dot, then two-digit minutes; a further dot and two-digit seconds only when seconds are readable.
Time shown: 6.58.24
